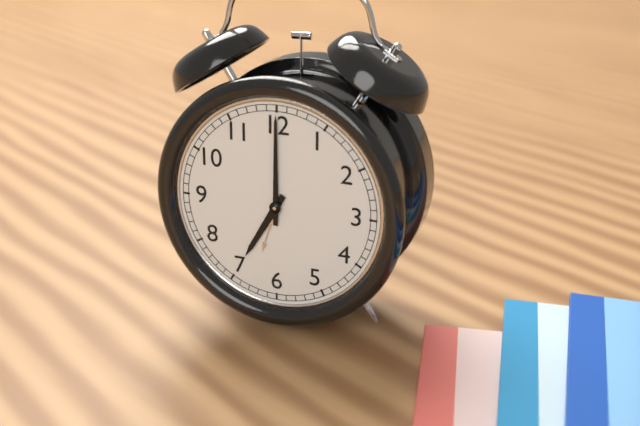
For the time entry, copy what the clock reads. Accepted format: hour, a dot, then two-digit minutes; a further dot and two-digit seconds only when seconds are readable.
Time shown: 7.00
